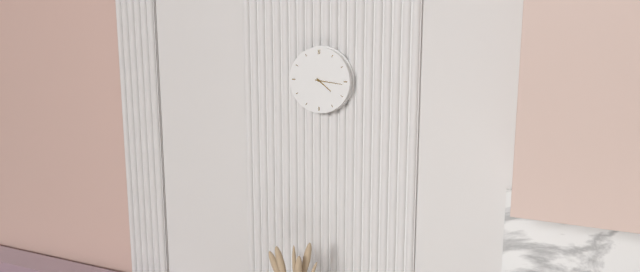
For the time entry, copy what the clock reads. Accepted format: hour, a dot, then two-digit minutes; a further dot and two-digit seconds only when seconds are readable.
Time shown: 4.16
